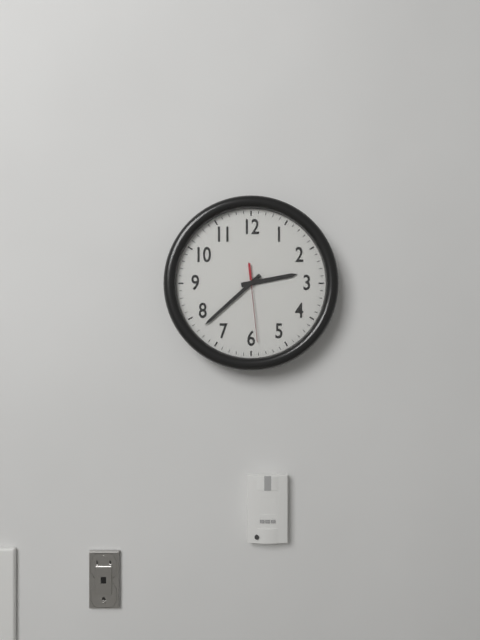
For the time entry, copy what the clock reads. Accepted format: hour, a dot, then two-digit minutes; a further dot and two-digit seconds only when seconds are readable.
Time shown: 2.38.29
